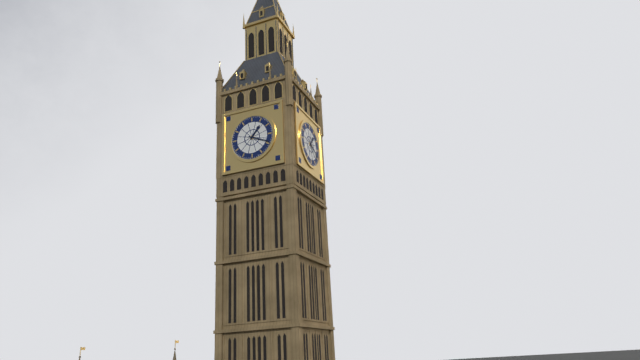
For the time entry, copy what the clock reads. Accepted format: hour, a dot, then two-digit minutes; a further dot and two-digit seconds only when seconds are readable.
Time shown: 1.19
